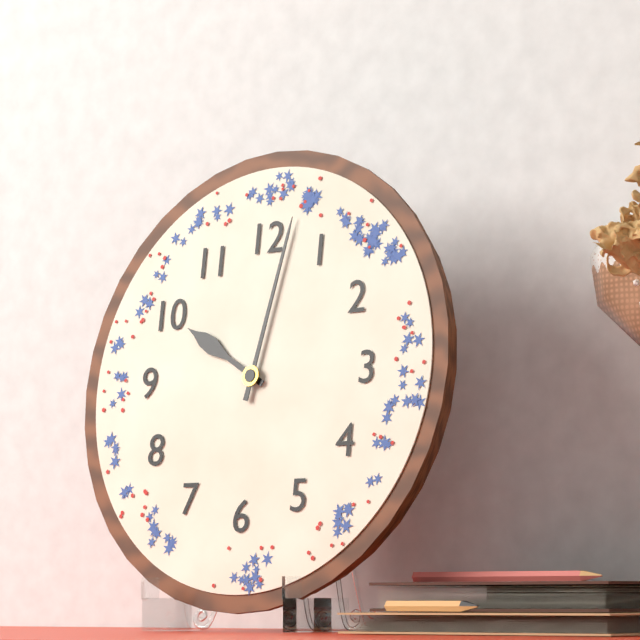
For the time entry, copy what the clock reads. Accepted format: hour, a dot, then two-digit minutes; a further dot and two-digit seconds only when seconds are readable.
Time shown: 10.02
